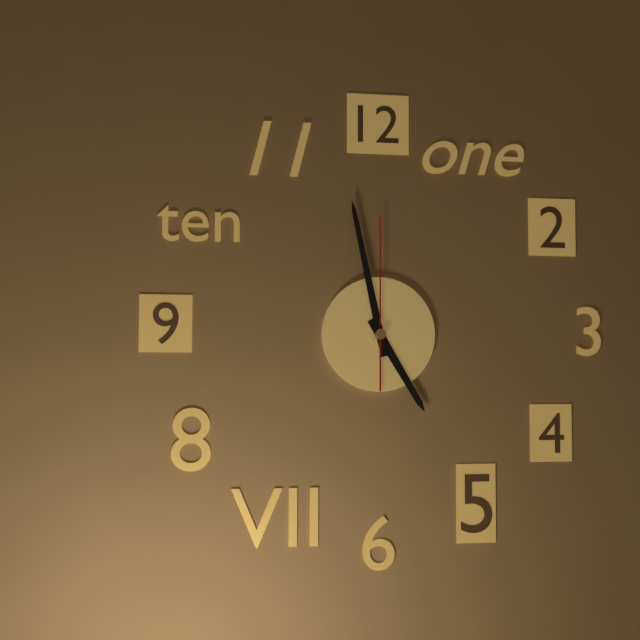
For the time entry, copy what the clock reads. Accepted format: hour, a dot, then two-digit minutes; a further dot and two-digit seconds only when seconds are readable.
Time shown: 4.58.00
